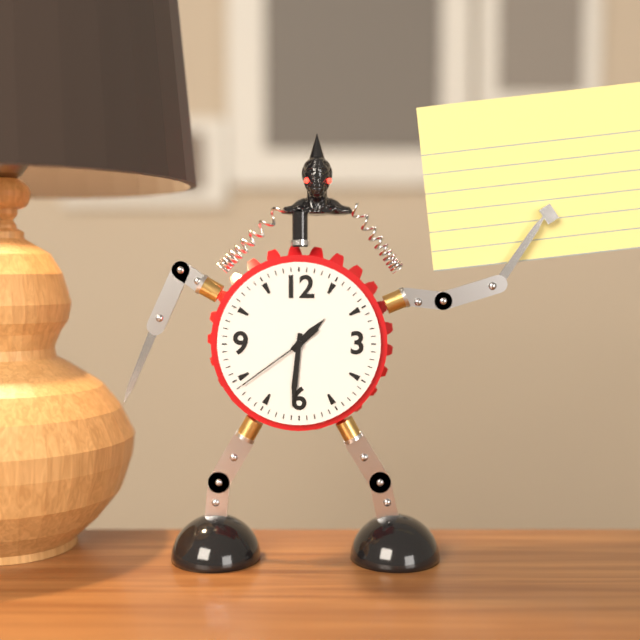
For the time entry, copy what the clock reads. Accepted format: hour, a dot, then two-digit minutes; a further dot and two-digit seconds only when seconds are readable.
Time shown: 1.31.39
